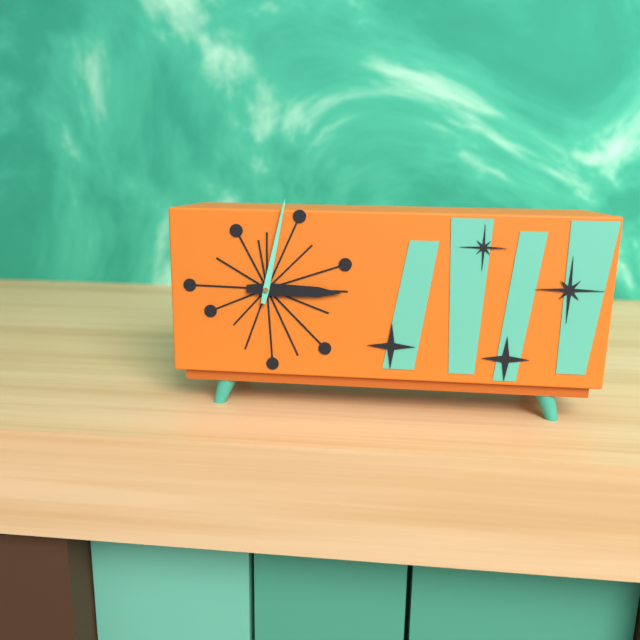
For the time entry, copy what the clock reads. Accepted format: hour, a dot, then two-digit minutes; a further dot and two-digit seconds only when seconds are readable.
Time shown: 3.02
